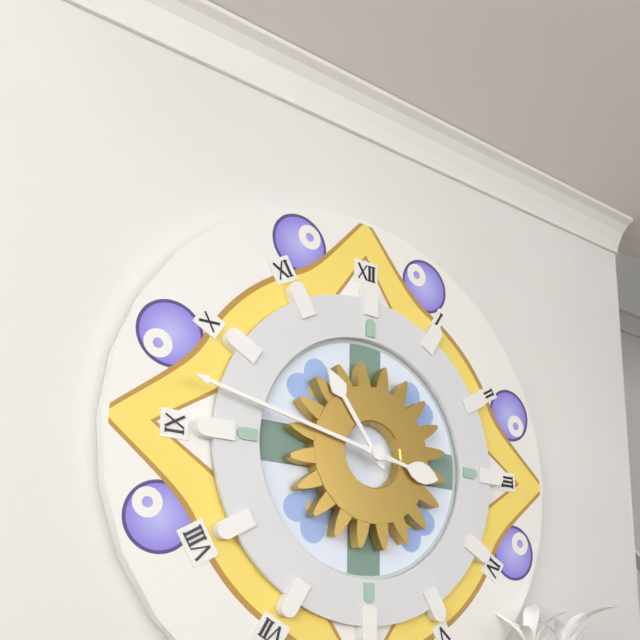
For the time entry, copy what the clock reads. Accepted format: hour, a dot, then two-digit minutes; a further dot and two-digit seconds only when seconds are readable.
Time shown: 10.47
